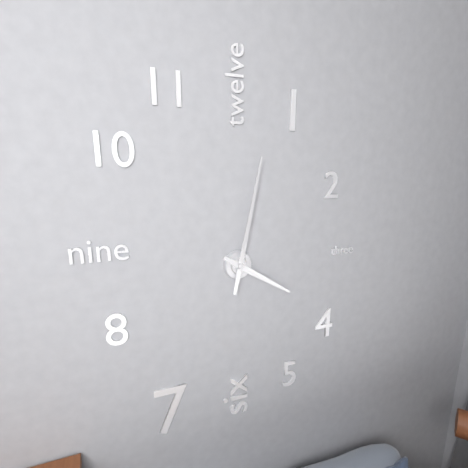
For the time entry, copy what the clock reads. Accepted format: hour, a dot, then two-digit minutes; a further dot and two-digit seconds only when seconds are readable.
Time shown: 4.02
